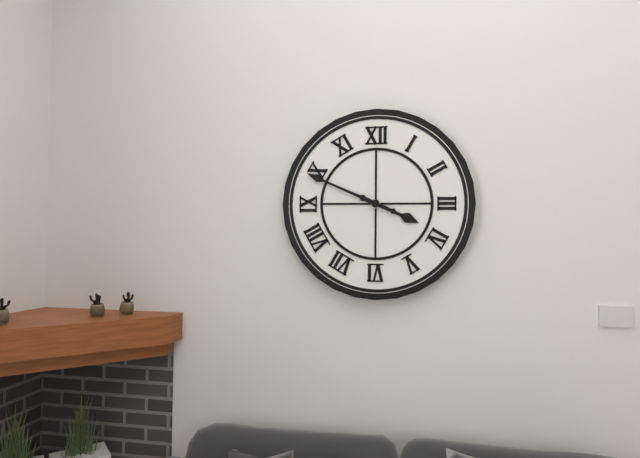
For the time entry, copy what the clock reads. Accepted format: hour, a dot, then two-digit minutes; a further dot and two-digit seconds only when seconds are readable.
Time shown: 3.49
